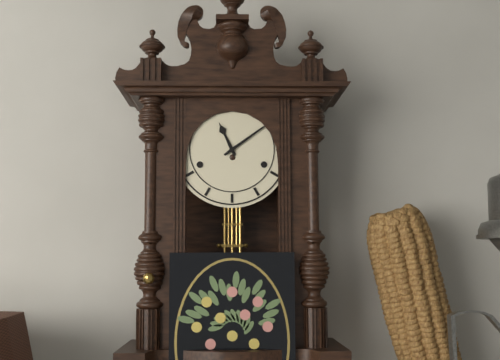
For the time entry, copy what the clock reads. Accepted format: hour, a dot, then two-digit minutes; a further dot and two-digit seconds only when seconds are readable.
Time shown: 11.09
